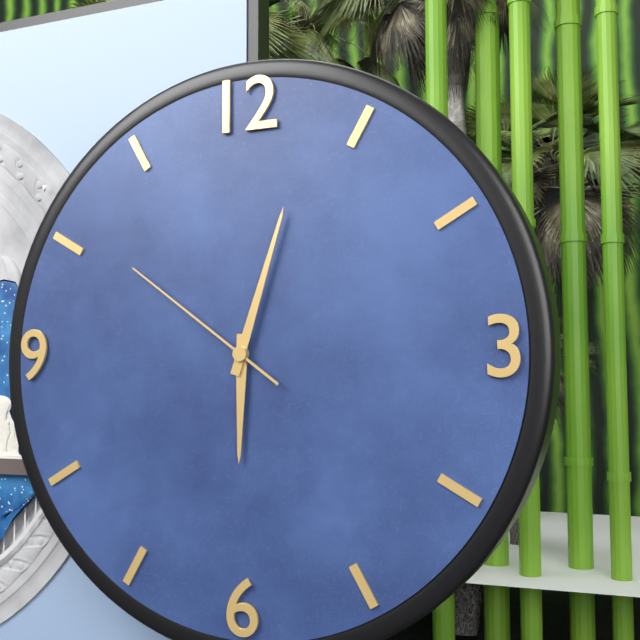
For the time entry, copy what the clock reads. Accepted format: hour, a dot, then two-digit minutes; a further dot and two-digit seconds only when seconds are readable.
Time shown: 6.03.51
